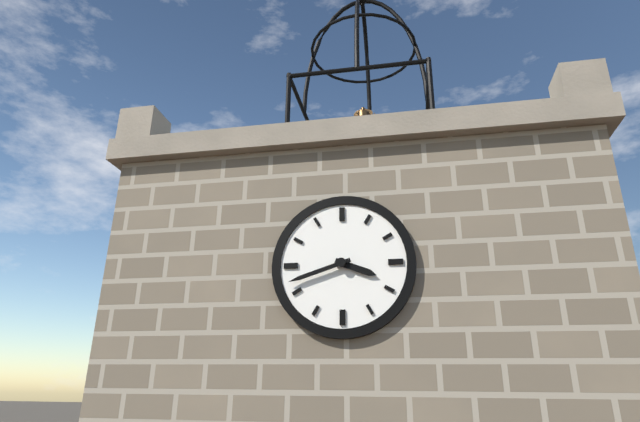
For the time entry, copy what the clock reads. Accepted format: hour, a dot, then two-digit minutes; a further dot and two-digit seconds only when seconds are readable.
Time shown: 3.42
